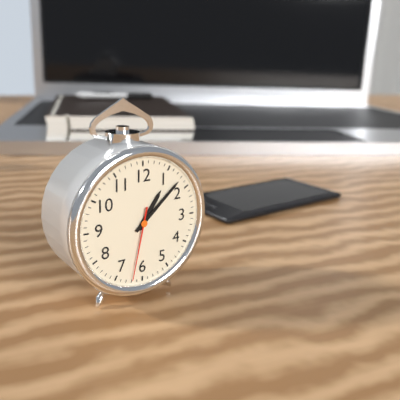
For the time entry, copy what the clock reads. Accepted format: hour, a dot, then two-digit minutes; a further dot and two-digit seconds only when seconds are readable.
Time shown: 1.08.32
